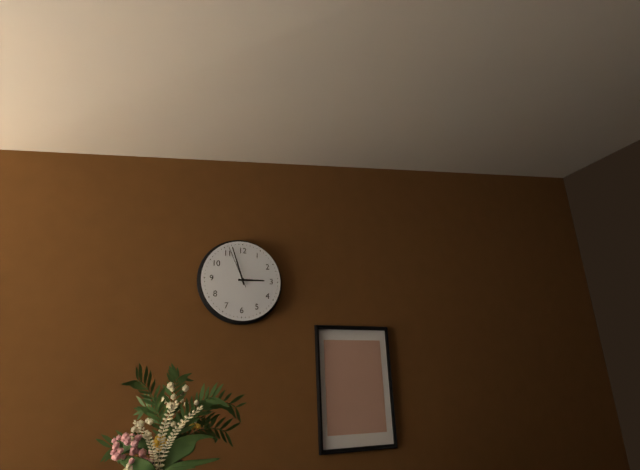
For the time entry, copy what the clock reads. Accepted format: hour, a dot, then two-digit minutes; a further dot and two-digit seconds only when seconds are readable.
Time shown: 2.57
